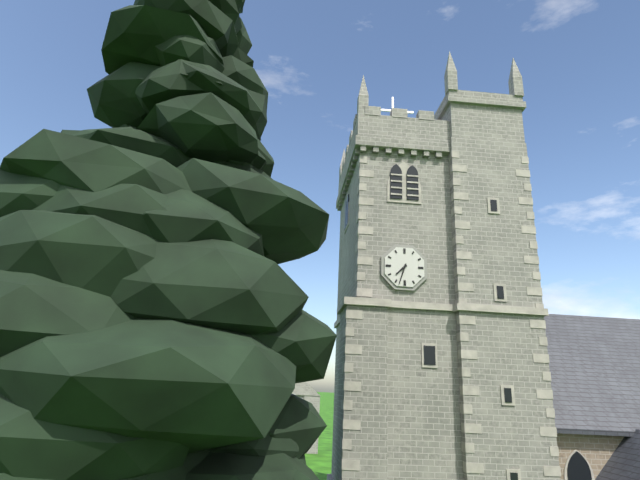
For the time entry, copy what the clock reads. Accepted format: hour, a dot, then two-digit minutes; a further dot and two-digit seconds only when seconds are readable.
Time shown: 7.33
